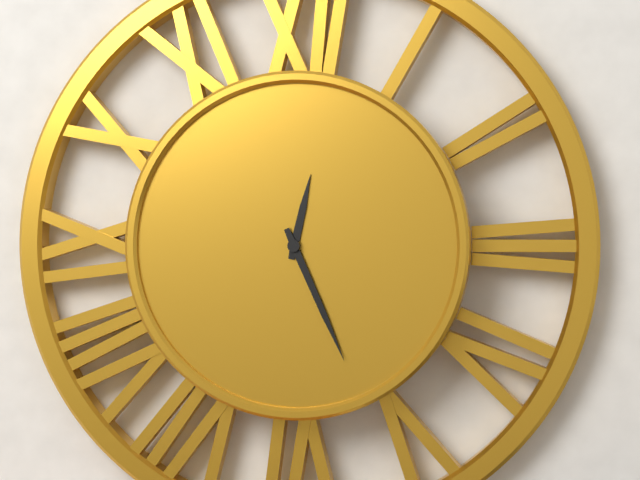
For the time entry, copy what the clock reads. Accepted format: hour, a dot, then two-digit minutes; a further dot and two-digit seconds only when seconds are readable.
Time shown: 12.26
